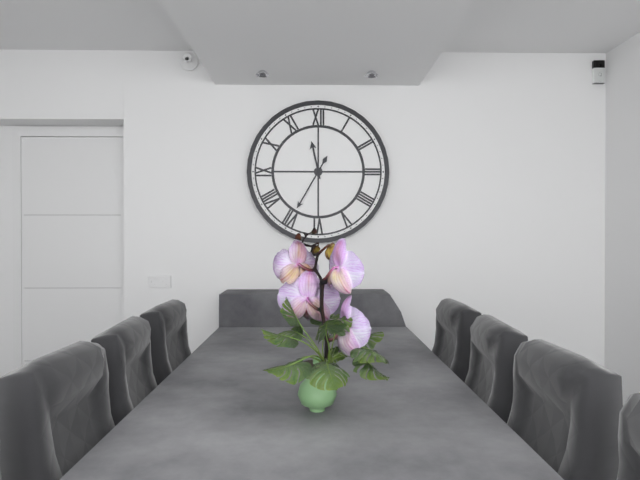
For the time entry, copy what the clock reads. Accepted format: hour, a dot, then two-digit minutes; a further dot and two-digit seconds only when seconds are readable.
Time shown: 11.35
